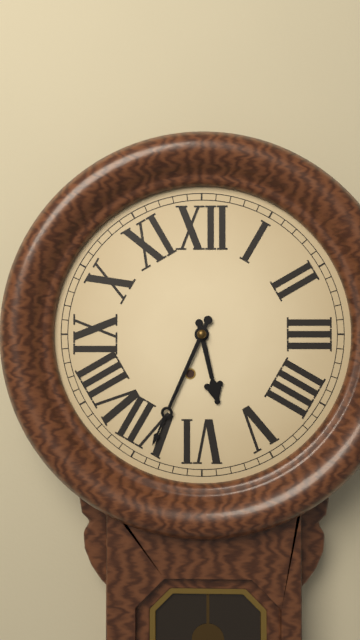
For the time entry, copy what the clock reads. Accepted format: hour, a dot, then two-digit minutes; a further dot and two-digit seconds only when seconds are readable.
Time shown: 5.34
